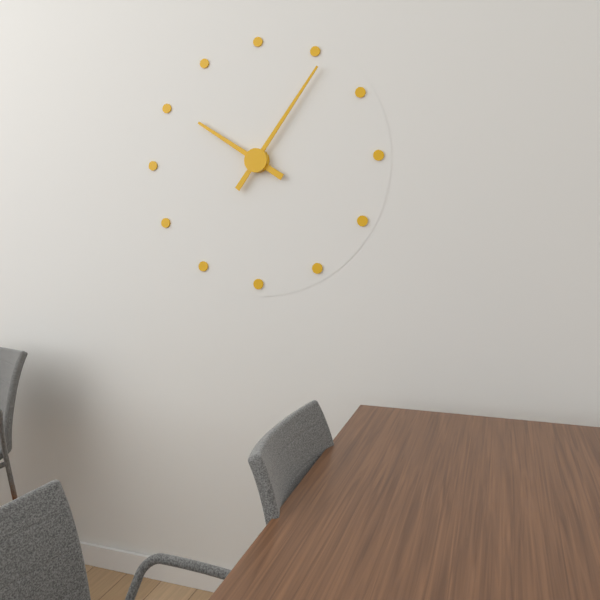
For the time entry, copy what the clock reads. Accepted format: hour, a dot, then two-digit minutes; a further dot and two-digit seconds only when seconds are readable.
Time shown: 10.06
